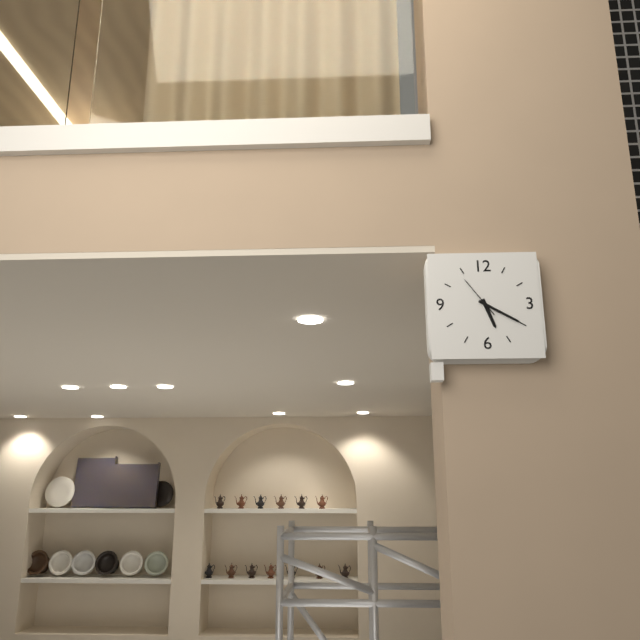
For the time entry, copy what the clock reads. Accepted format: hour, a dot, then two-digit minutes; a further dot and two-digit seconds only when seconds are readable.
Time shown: 5.20
